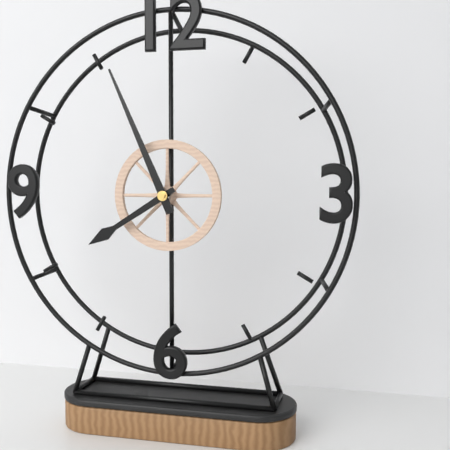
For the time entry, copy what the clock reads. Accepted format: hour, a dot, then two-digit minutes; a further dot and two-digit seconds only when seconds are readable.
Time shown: 7.56
